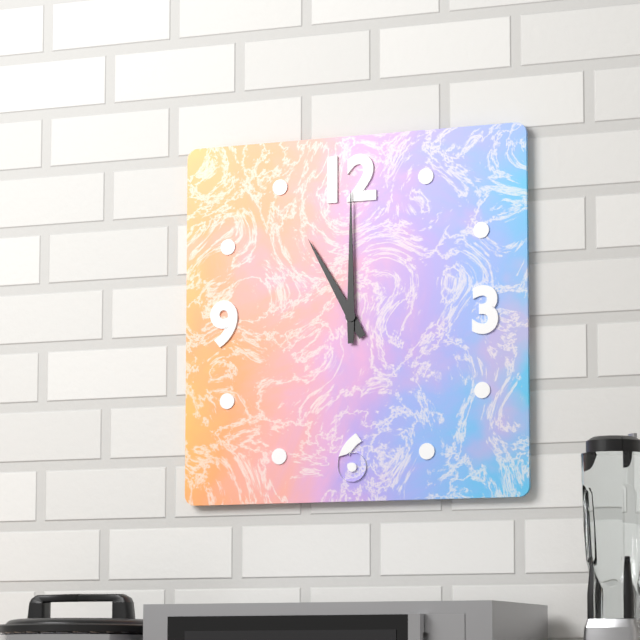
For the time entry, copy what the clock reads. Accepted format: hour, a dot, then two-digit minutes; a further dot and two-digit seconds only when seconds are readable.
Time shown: 11.00
